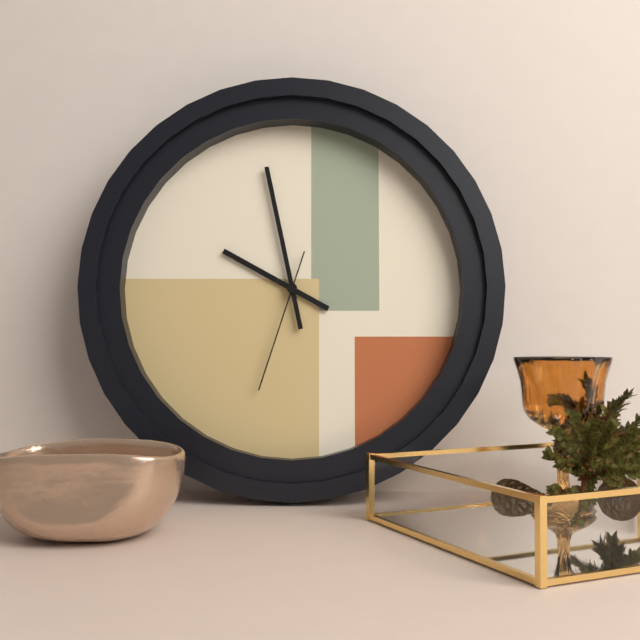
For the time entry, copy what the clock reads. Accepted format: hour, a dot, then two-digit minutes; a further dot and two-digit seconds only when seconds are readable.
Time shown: 9.58.33
